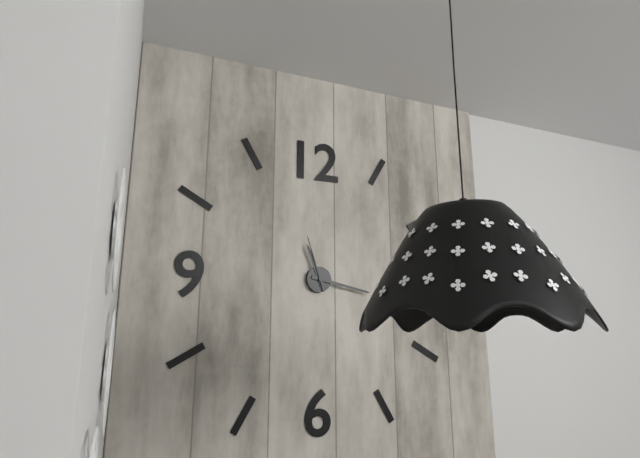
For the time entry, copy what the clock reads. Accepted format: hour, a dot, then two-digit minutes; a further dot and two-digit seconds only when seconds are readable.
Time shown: 11.17.57
